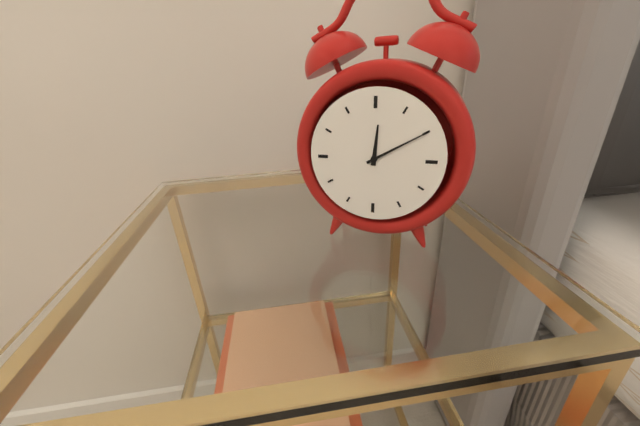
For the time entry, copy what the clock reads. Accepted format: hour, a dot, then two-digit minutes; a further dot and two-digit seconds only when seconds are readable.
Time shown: 12.10
